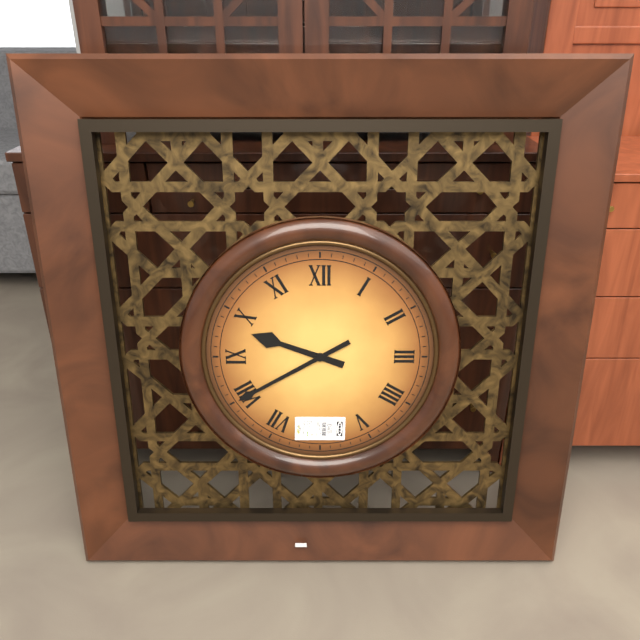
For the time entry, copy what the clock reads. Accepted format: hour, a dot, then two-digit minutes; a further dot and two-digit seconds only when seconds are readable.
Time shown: 9.40
